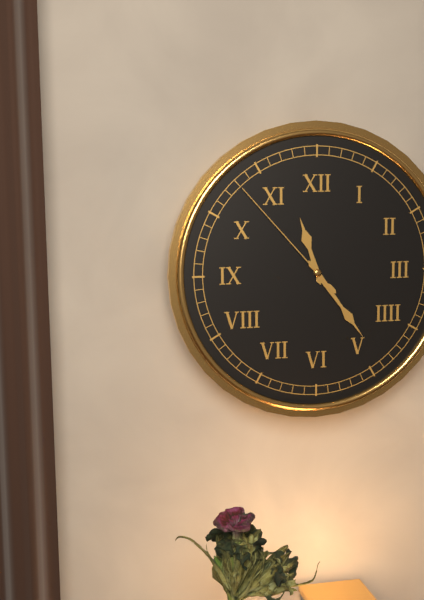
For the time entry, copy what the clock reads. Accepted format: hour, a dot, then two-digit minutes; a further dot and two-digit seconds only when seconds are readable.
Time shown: 11.24.53
